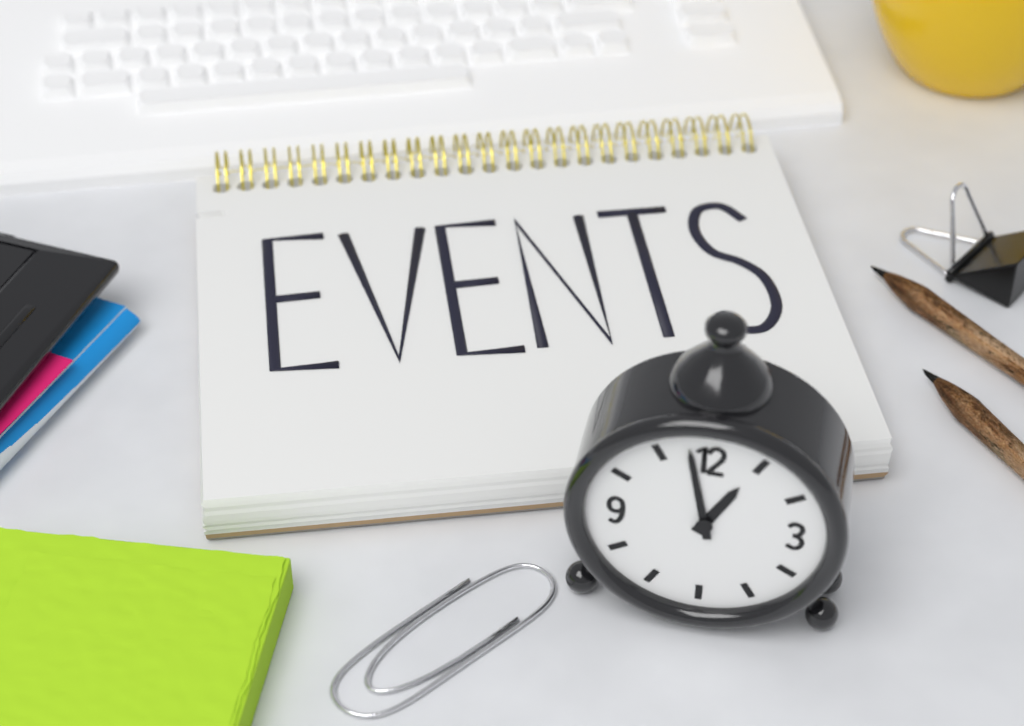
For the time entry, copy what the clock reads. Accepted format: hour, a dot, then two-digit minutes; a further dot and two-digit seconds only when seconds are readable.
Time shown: 12.58
